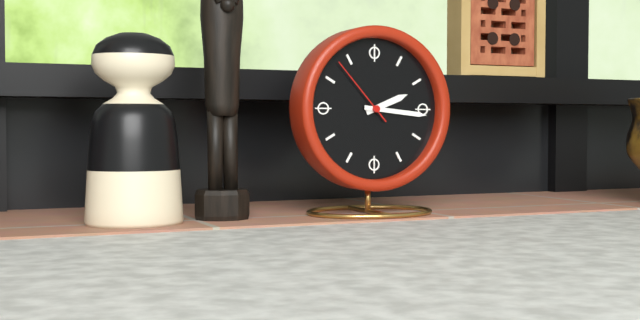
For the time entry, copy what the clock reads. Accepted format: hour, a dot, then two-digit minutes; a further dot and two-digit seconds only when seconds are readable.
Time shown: 2.16.53
